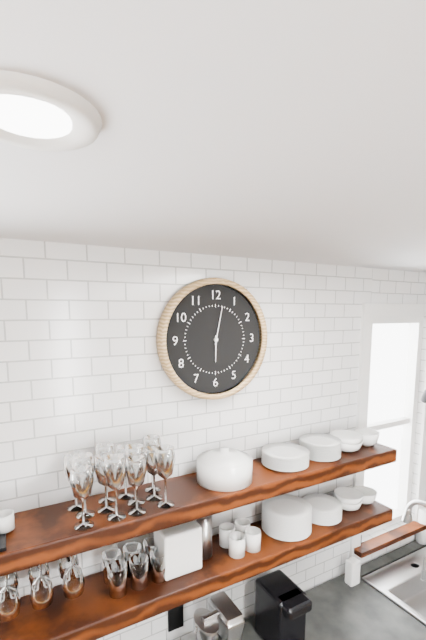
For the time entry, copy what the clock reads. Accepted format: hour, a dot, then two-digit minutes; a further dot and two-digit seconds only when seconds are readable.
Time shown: 6.02
